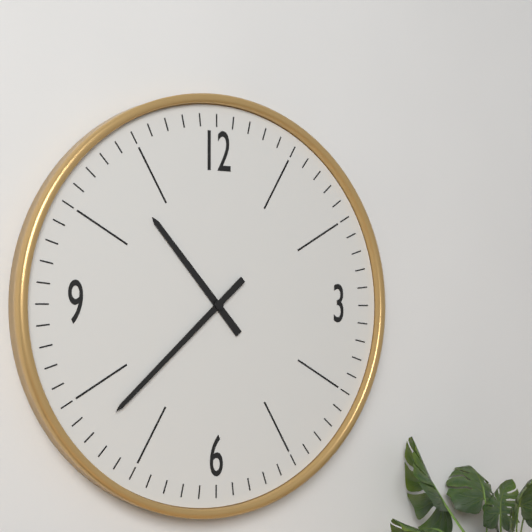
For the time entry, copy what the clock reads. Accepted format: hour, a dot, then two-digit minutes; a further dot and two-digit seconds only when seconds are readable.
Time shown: 10.38
